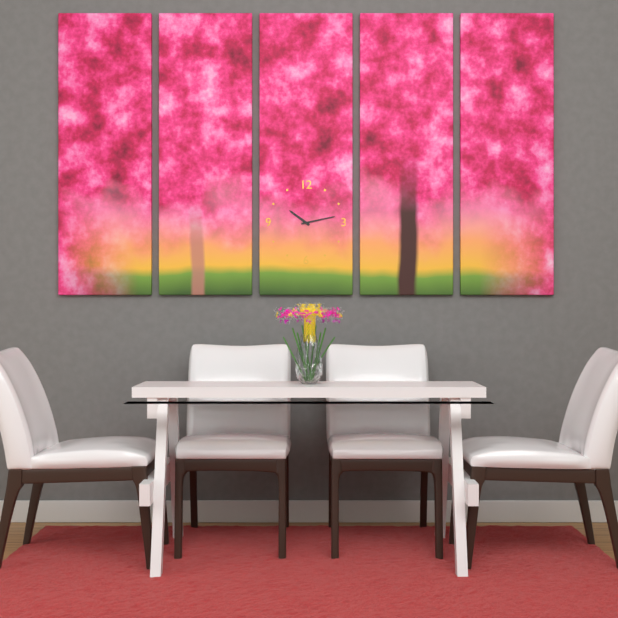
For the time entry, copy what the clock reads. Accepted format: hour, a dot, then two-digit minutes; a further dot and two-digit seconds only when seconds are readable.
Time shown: 10.13
